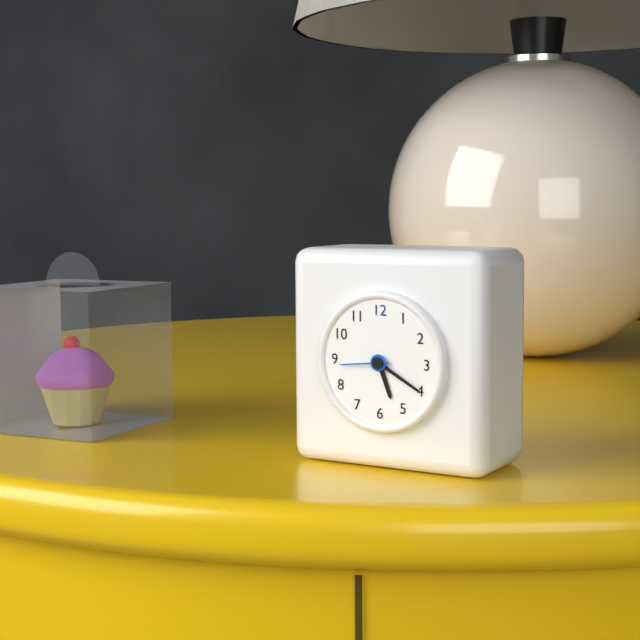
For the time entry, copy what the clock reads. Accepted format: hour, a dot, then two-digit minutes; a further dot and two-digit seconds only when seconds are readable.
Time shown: 5.20.44
